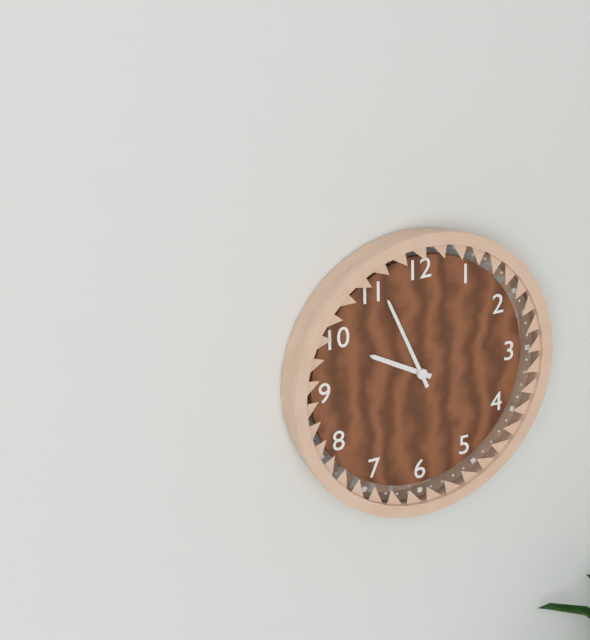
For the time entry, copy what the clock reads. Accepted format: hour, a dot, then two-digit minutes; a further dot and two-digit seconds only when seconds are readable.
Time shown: 9.56
